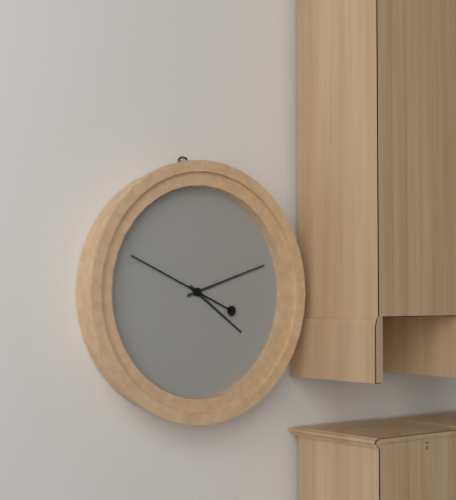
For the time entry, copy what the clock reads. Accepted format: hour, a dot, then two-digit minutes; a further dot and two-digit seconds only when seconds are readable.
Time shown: 4.12.49
